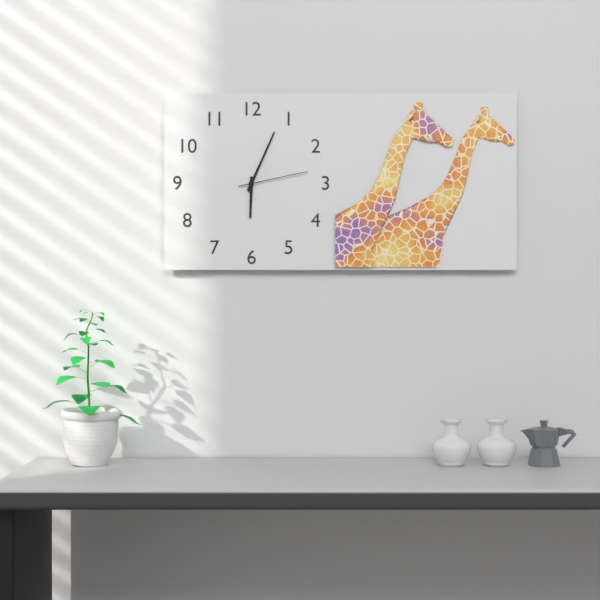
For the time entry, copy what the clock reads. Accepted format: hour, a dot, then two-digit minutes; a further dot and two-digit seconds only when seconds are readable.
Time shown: 6.04.13
